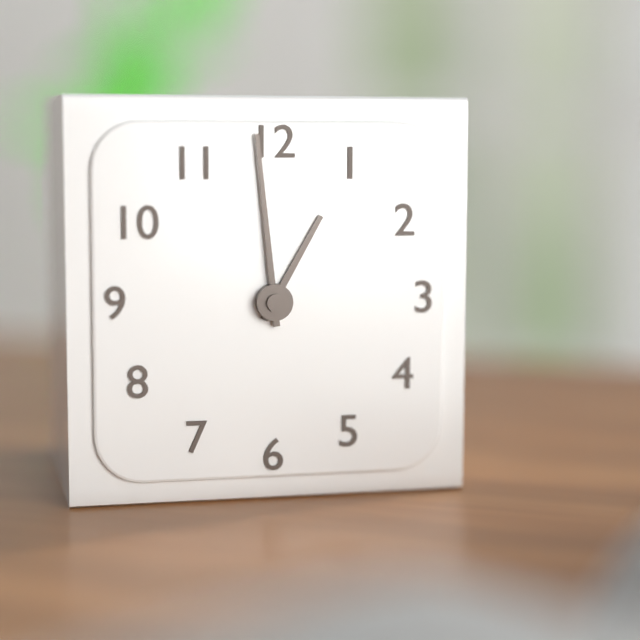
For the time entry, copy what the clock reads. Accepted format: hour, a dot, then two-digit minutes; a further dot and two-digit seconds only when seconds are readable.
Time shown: 12.59
